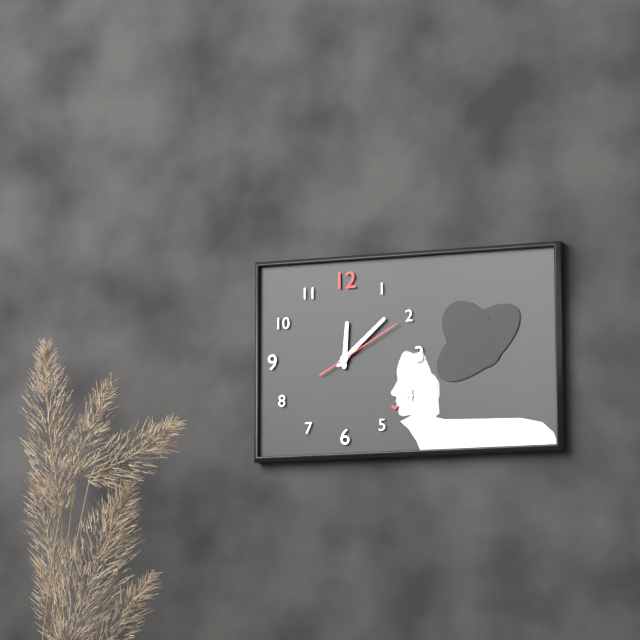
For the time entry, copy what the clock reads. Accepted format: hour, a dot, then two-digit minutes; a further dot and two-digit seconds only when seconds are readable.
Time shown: 12.08.10
